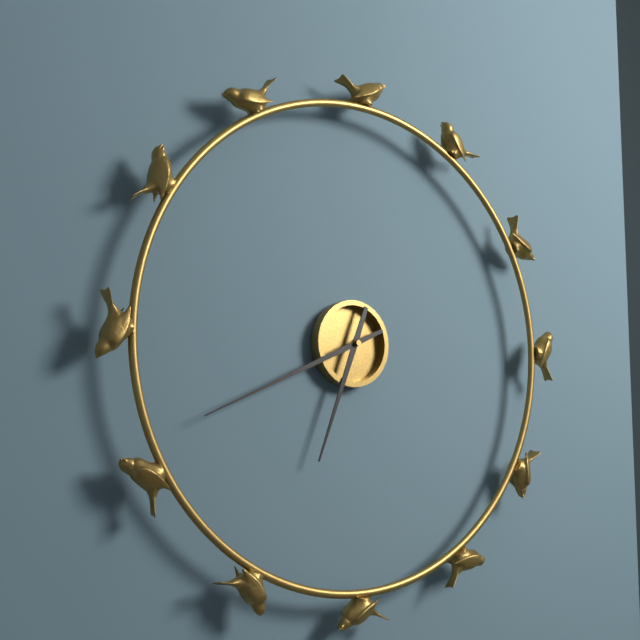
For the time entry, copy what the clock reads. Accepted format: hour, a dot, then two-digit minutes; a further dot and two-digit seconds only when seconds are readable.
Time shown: 6.41
